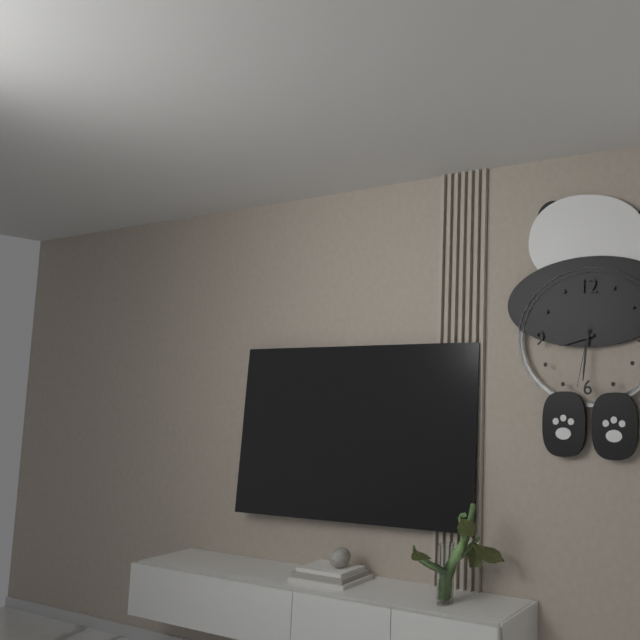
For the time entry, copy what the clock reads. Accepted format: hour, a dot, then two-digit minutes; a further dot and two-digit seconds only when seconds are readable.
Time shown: 8.31.32
